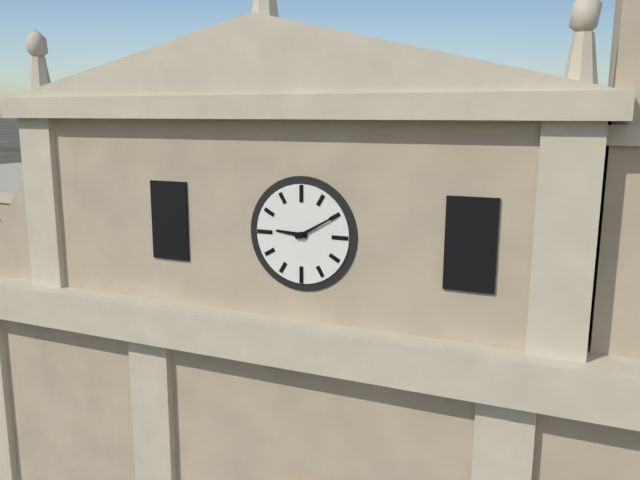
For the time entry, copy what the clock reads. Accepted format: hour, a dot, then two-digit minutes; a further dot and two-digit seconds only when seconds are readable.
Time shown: 9.10
